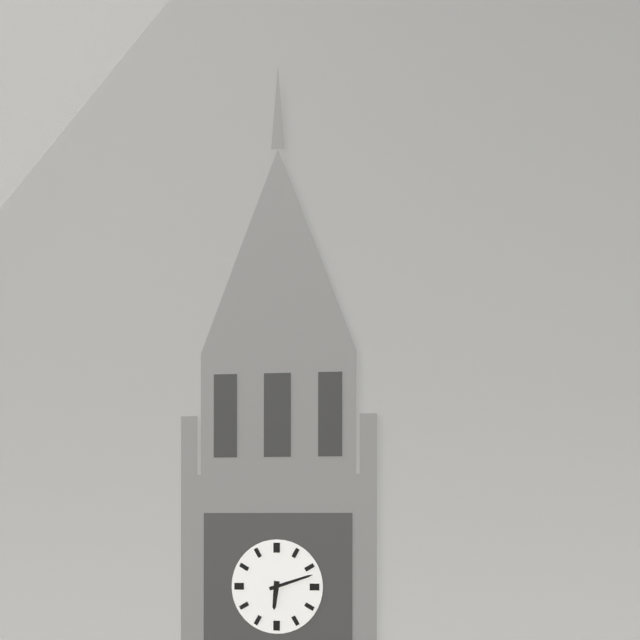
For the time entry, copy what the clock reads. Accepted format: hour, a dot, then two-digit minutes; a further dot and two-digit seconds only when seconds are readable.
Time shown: 6.12
